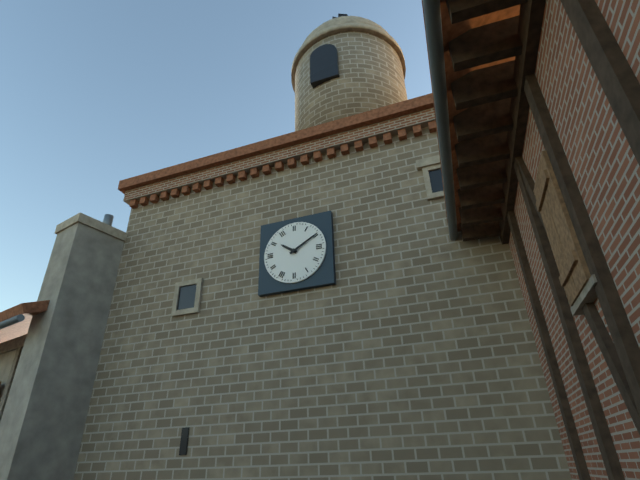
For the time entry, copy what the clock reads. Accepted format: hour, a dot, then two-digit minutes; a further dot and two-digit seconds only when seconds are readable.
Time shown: 10.10
